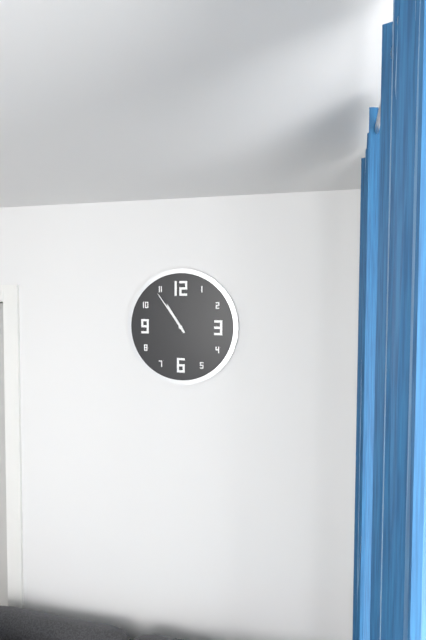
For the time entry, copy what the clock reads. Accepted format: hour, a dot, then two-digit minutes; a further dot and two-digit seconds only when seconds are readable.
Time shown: 10.54
